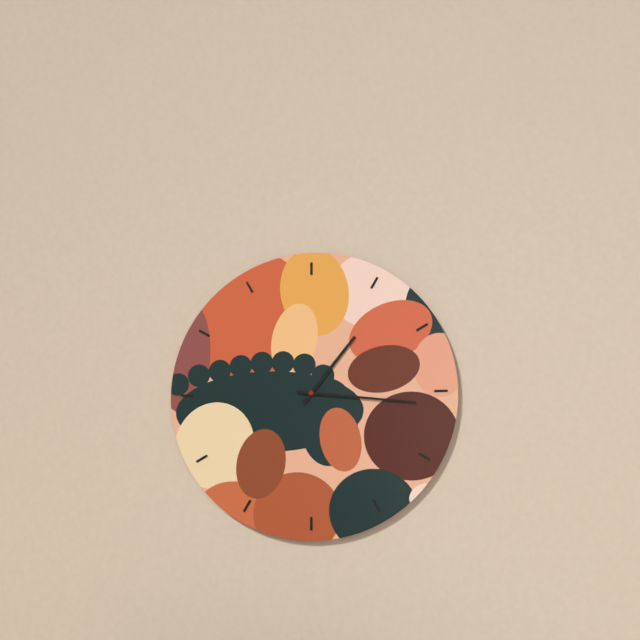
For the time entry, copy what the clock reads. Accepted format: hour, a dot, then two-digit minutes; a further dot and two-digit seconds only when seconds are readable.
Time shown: 1.16
